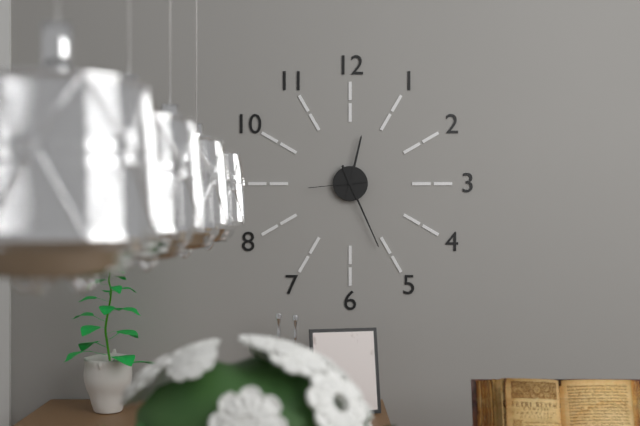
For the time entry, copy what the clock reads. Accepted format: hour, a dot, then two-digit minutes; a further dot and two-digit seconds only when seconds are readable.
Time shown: 12.26.44
